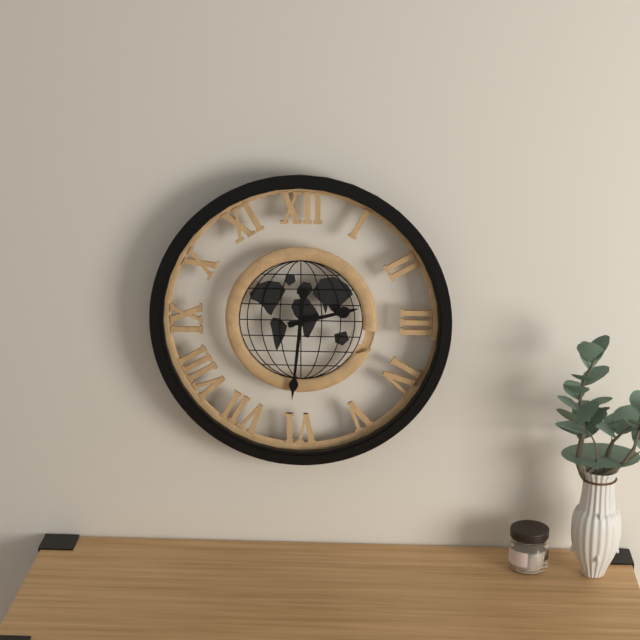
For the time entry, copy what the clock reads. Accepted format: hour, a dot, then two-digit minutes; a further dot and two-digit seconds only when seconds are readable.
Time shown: 2.31
